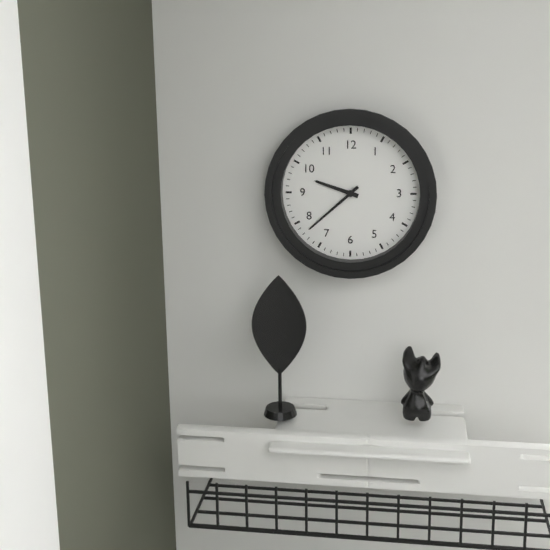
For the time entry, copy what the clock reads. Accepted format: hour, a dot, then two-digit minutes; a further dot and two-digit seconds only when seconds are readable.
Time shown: 9.38
